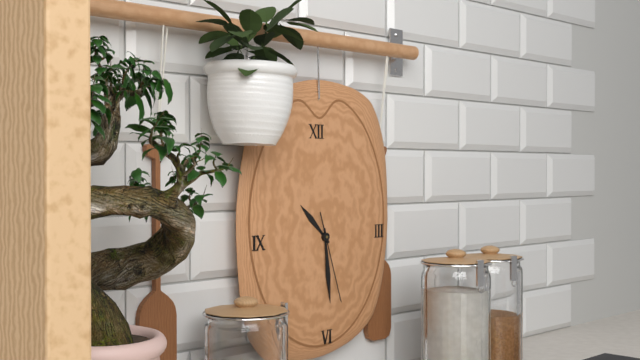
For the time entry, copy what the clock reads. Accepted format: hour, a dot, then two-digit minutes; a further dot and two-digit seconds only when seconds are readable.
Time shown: 10.29.27
